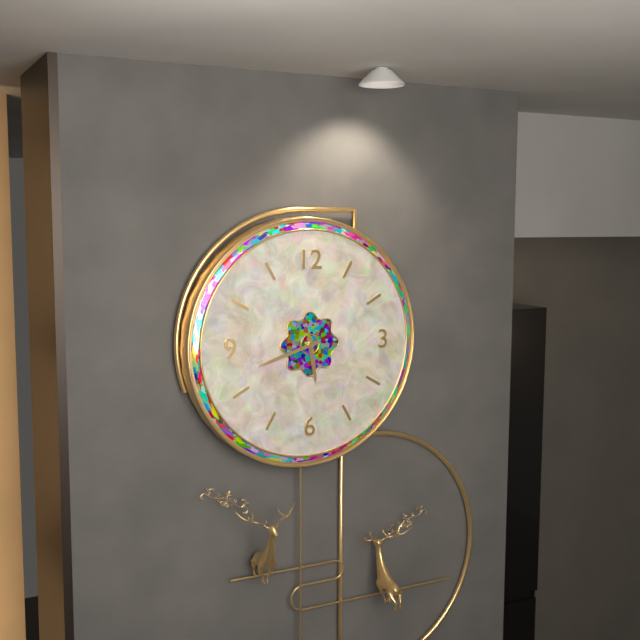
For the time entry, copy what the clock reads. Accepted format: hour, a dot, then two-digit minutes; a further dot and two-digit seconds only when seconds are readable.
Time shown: 5.42
